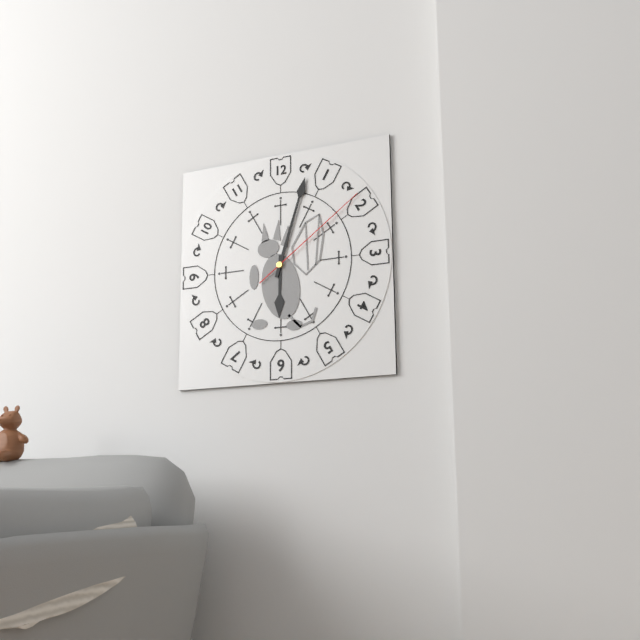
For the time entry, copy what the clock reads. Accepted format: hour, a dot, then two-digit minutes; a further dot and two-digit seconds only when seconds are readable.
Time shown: 6.03.09
